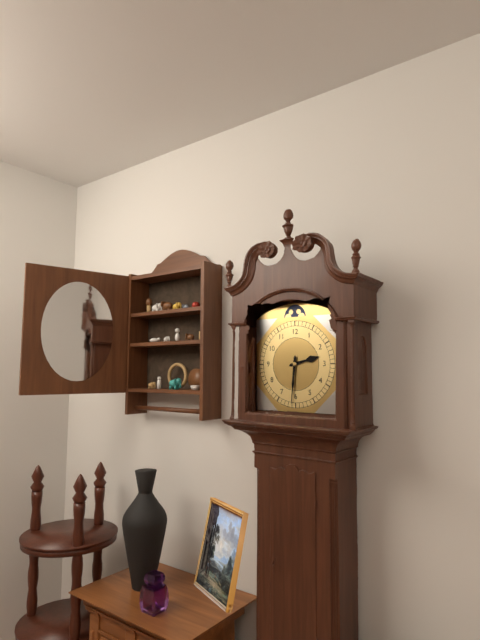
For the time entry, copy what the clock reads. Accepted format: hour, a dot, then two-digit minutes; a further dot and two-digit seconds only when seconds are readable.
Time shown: 2.31
